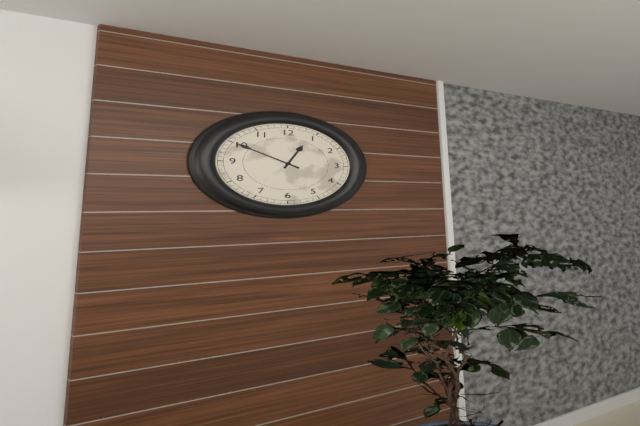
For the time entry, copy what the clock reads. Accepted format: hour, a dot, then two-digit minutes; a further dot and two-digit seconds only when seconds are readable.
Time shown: 12.50
